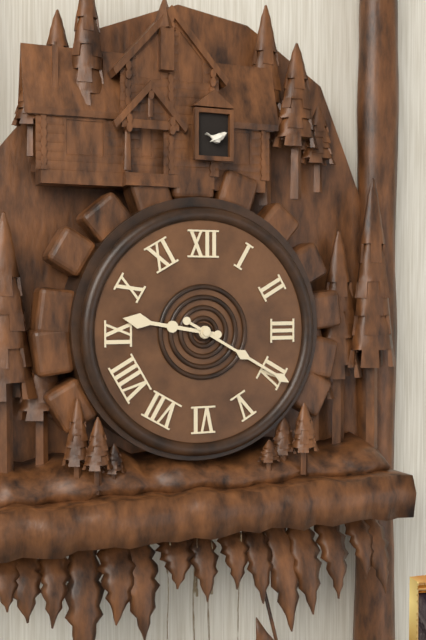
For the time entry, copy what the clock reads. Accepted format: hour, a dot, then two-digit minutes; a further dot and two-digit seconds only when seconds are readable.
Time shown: 9.20
